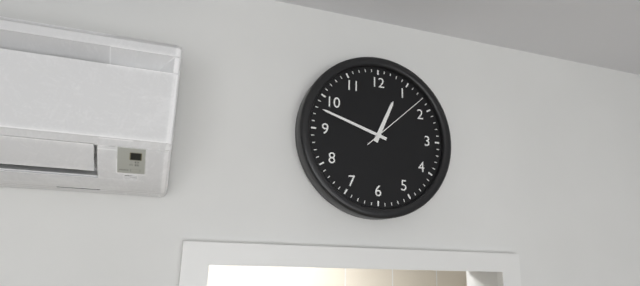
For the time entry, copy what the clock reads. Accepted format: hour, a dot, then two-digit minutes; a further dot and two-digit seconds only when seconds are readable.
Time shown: 12.48.08
